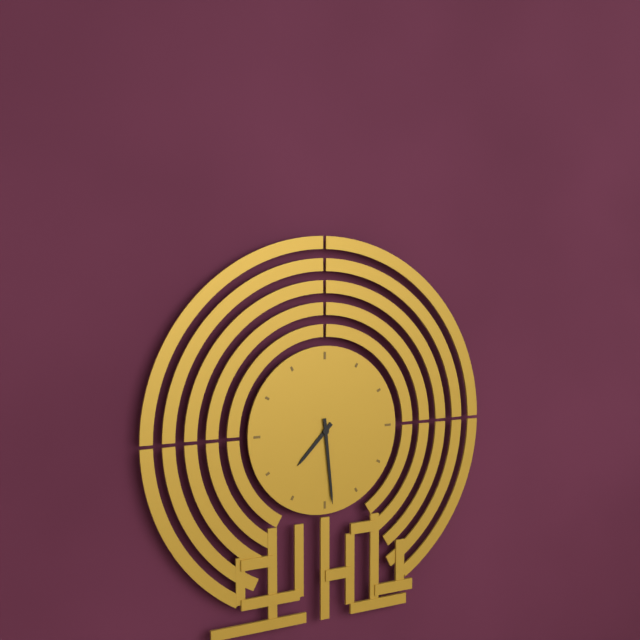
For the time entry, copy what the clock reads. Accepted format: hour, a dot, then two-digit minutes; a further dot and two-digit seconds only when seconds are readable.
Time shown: 7.29
